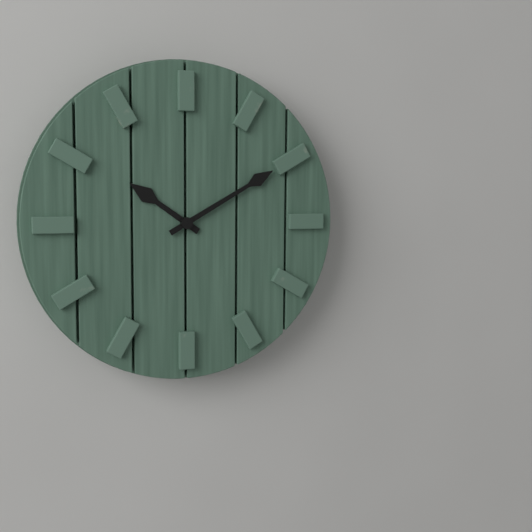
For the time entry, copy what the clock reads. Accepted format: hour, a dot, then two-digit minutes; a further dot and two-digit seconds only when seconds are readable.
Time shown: 10.10
